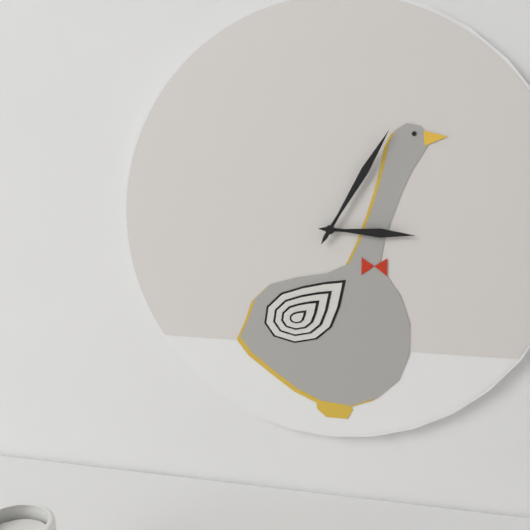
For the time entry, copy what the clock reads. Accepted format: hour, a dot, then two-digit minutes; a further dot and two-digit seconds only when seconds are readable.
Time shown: 3.05
